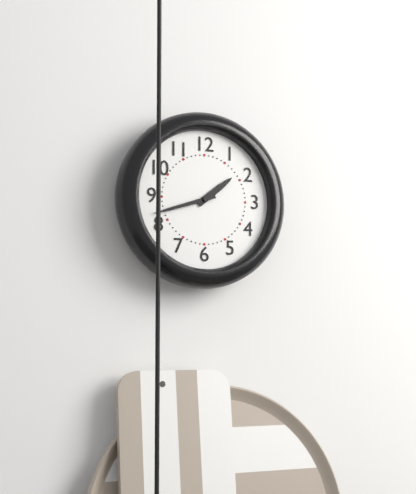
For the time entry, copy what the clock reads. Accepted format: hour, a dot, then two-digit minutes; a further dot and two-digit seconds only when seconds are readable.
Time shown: 1.42
